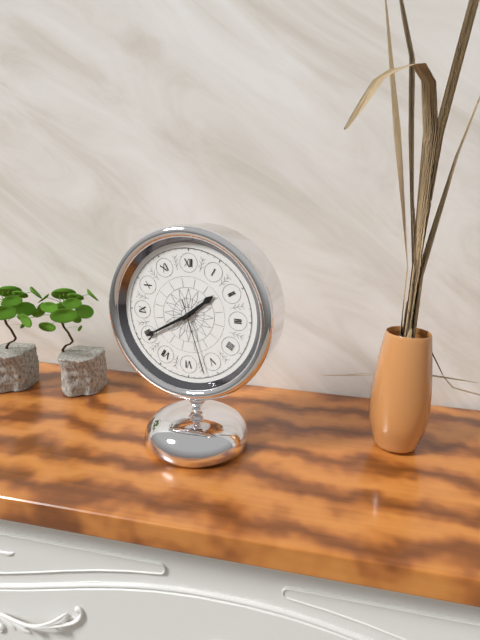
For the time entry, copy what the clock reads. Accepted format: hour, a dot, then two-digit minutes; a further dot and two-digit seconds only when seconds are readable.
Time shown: 1.40.27
